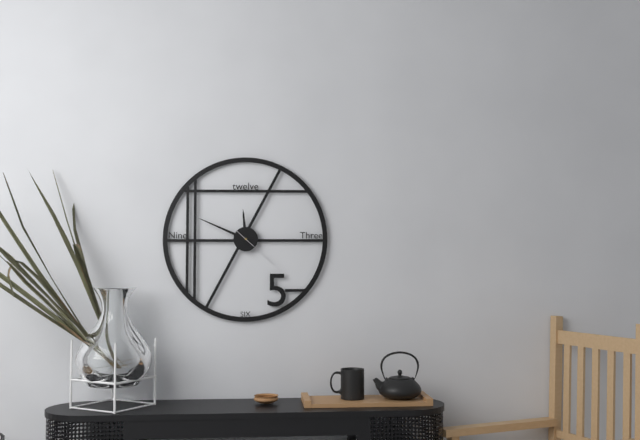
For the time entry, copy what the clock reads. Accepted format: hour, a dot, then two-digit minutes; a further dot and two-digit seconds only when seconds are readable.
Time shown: 11.49
